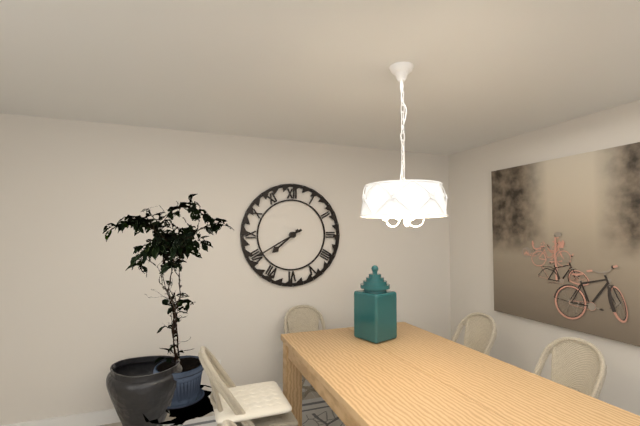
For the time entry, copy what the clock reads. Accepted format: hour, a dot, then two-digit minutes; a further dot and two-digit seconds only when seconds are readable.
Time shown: 7.40
